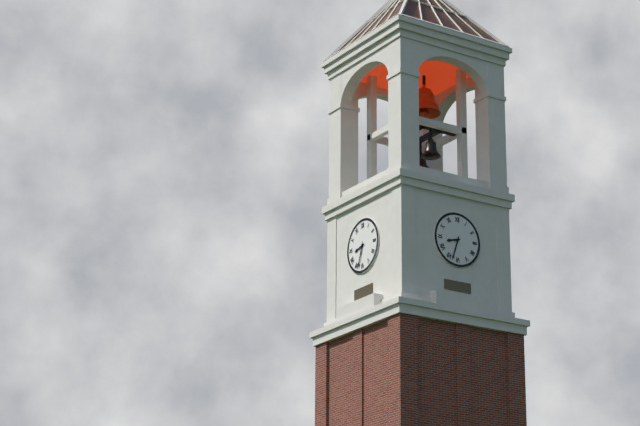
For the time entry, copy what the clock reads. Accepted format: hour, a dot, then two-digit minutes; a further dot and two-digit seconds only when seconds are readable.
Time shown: 8.33
